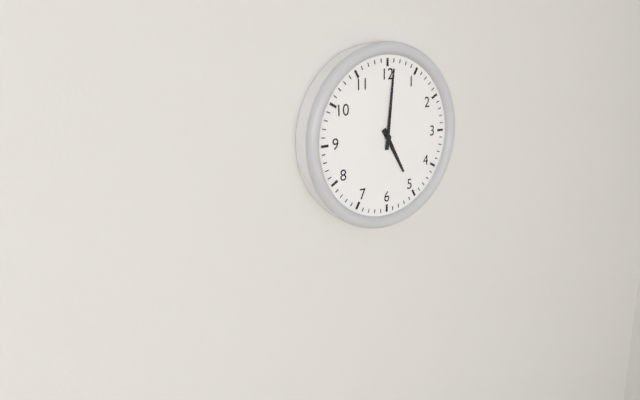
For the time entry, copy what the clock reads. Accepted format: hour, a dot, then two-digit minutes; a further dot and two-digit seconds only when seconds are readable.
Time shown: 5.01
